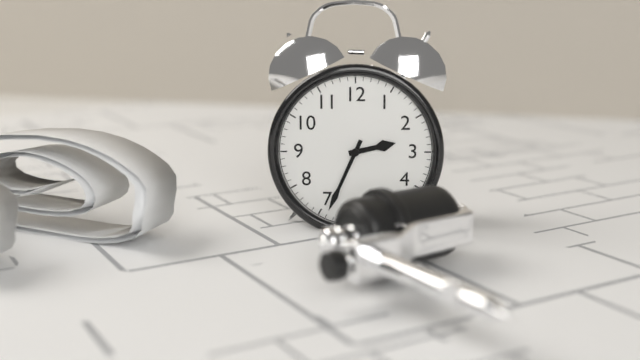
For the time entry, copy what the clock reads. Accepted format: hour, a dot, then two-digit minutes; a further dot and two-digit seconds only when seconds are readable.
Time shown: 2.34
